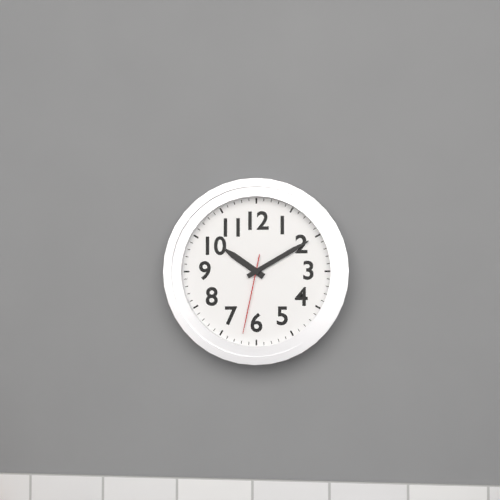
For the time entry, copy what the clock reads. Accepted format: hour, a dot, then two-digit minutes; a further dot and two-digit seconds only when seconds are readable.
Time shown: 10.10.32
